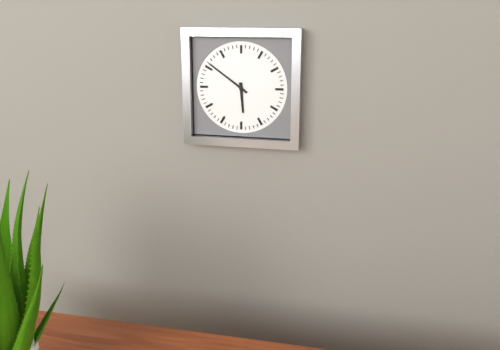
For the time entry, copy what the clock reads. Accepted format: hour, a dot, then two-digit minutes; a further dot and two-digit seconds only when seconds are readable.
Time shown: 5.51
